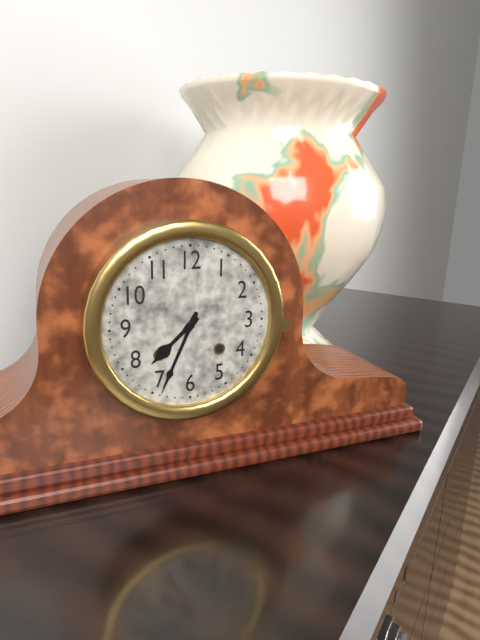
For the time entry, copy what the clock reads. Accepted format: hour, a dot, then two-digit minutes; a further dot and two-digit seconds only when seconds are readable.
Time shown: 7.34
